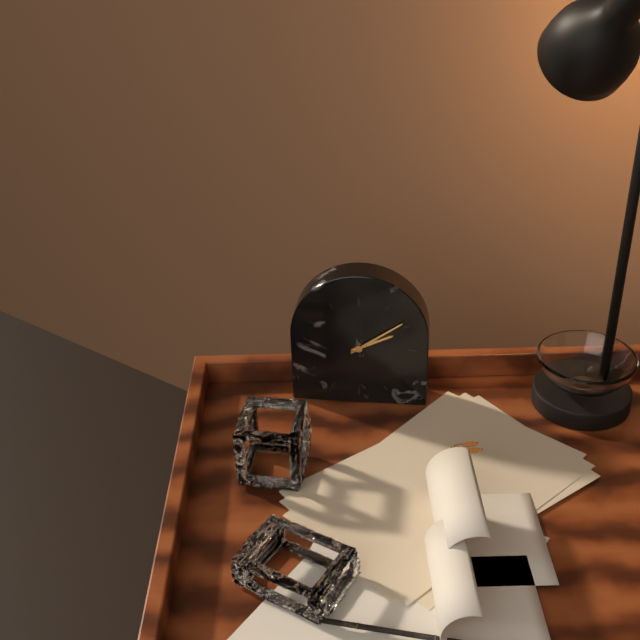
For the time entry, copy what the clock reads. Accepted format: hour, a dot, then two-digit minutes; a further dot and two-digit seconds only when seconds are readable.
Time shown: 2.09
